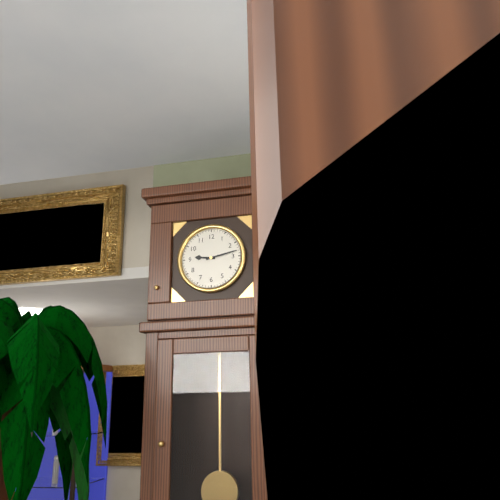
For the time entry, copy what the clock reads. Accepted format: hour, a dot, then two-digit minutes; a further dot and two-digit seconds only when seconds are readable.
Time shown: 9.13
